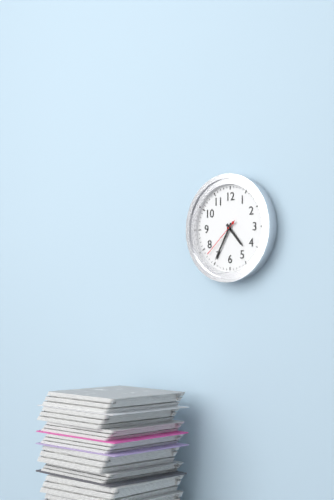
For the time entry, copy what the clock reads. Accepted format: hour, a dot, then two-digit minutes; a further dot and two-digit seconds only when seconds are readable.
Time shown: 4.35
